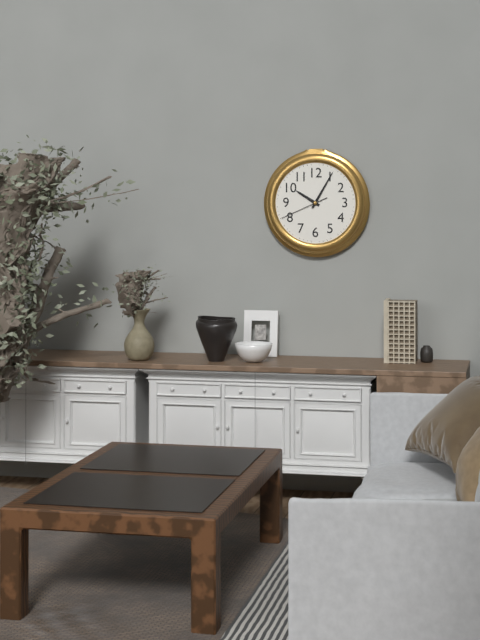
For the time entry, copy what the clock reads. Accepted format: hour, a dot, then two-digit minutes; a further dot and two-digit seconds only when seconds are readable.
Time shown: 10.05
